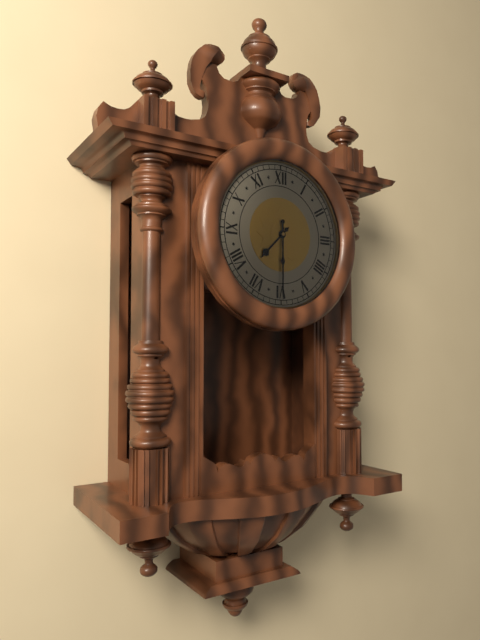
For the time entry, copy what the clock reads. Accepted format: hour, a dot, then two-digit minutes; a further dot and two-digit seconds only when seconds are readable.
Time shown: 7.30
